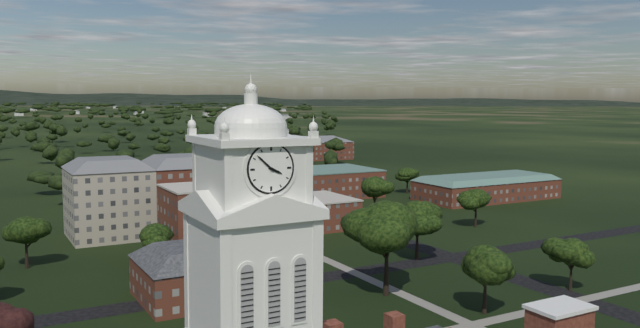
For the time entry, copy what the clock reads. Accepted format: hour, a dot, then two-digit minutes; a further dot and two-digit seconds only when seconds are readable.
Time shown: 3.52
